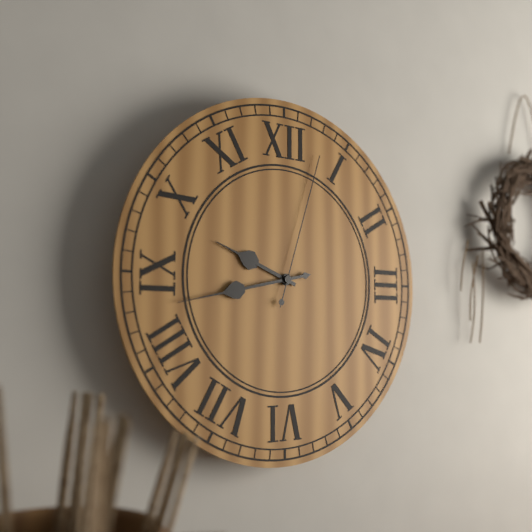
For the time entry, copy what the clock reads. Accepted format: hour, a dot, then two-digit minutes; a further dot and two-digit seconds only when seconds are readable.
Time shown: 9.43.03
